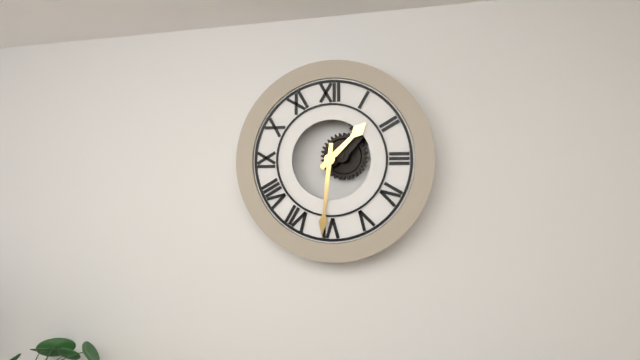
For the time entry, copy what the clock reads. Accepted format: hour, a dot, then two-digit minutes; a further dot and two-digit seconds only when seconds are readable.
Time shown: 1.31
